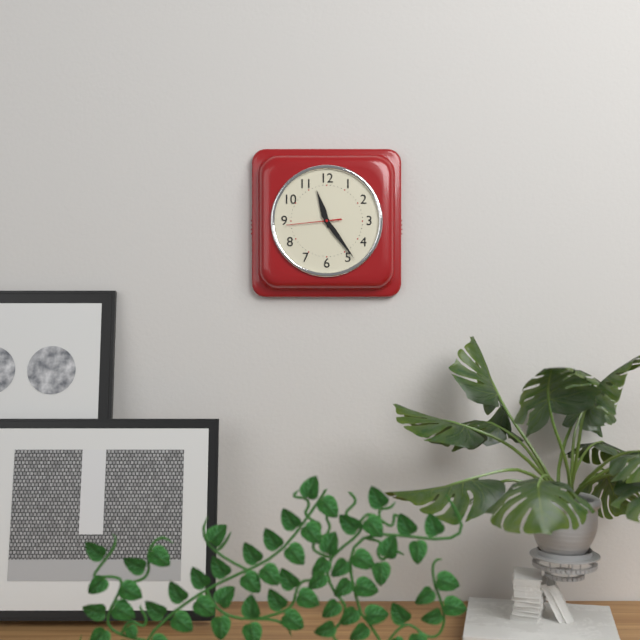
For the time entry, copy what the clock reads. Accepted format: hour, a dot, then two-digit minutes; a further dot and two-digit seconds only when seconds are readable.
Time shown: 11.24.44
